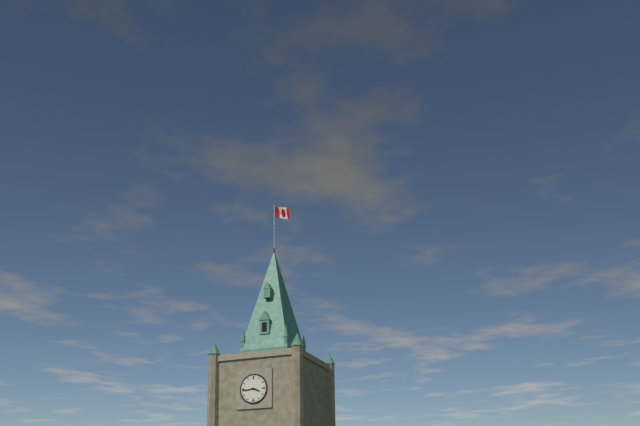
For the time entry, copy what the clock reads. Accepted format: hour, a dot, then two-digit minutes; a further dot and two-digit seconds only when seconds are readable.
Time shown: 3.44
